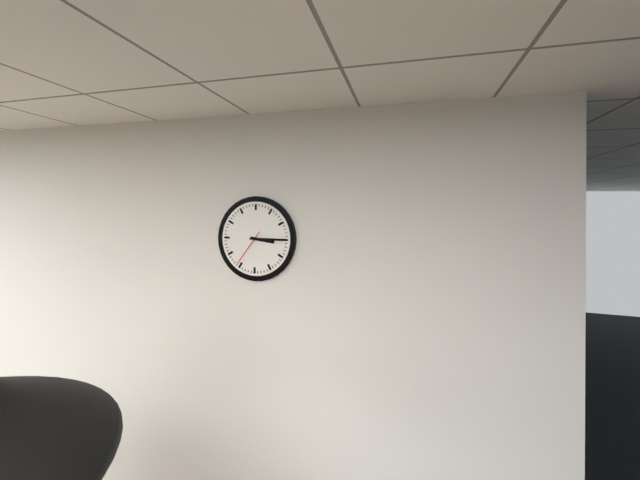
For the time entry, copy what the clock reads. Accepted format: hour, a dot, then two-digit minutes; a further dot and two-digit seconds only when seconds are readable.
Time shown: 3.15
